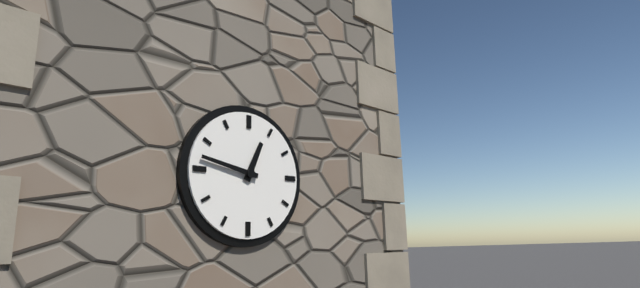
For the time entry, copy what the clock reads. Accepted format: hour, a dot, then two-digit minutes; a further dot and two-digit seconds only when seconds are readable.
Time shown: 12.47
